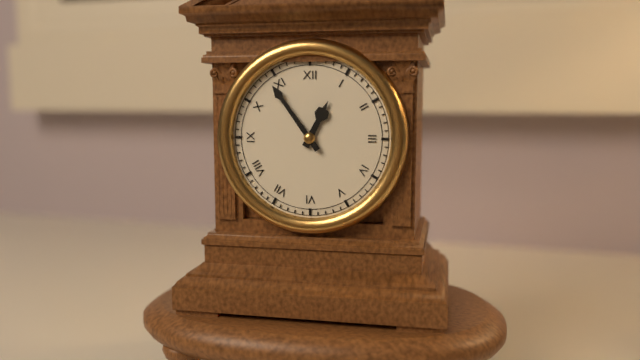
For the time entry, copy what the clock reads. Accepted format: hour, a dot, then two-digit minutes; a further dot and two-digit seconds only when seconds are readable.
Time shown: 12.54
